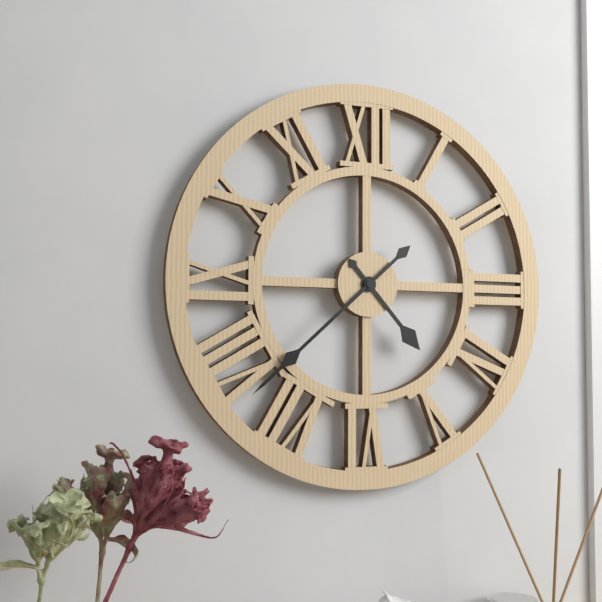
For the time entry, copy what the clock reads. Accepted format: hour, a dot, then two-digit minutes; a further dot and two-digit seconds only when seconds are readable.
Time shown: 4.38
